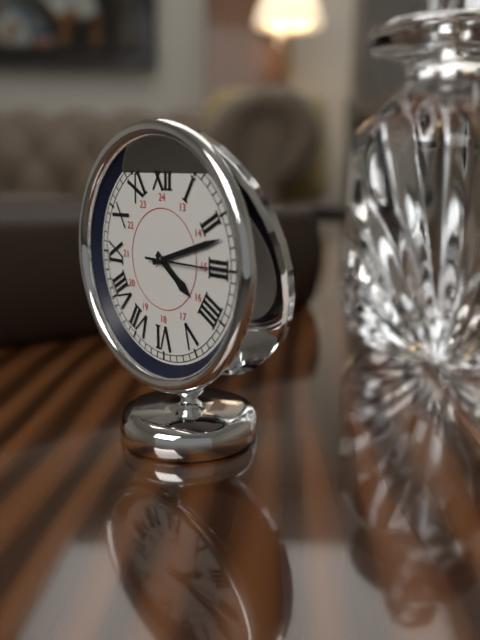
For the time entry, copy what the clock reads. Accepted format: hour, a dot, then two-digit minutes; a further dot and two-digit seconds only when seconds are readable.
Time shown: 4.12.15
